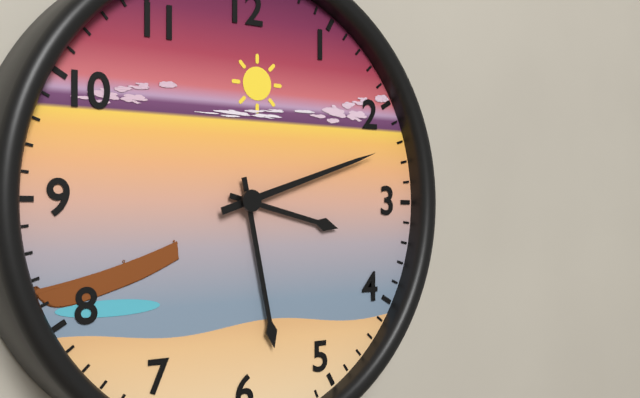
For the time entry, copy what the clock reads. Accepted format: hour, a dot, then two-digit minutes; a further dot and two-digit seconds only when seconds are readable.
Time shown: 3.28.12
